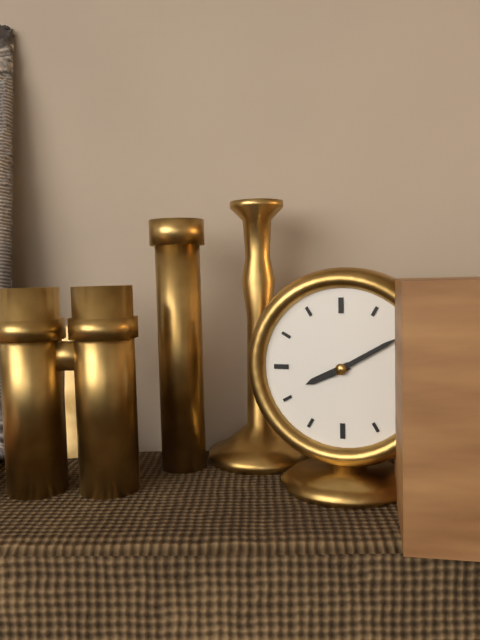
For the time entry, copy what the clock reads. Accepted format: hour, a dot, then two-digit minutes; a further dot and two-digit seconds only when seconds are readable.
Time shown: 8.10
